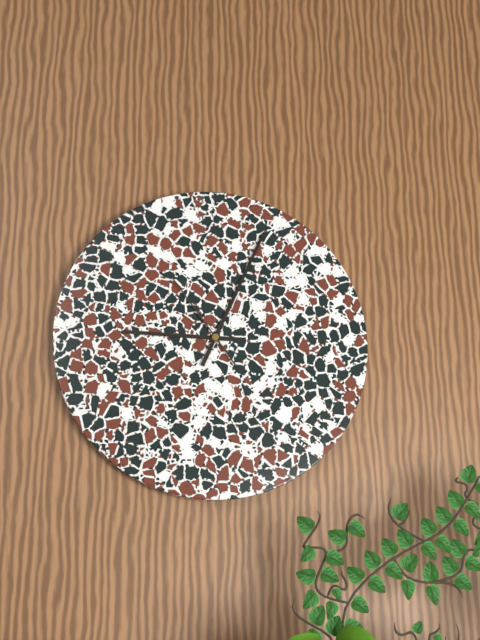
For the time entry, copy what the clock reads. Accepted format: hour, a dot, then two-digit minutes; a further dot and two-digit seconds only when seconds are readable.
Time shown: 9.04.54
